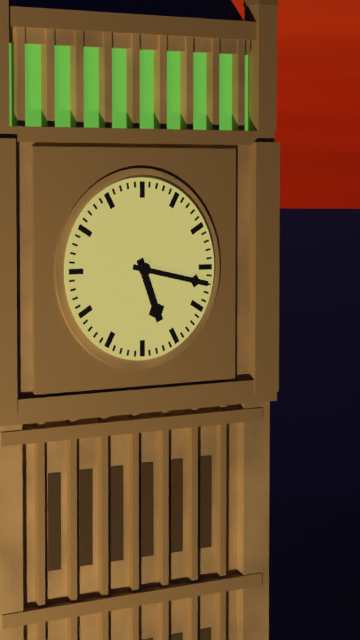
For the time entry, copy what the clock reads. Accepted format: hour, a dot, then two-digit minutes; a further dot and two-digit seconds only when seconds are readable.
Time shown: 5.17
